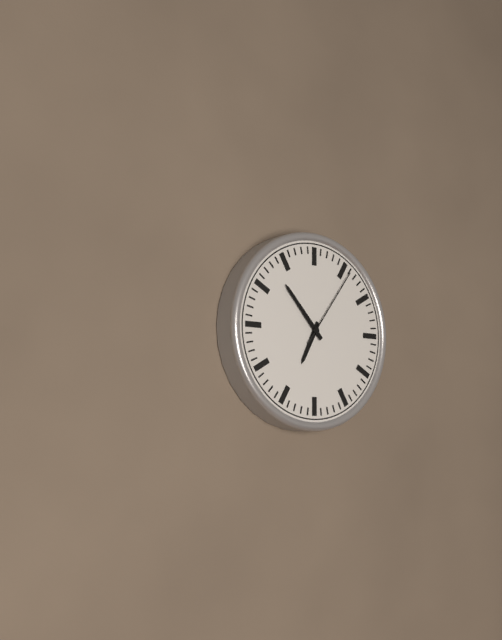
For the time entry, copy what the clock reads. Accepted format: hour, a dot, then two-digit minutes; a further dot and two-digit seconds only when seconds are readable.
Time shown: 6.53.06
